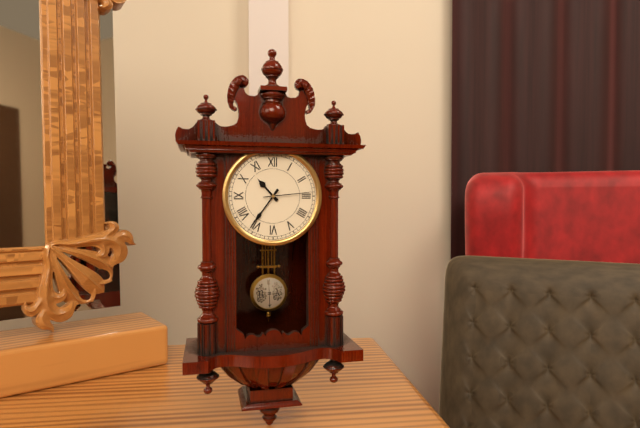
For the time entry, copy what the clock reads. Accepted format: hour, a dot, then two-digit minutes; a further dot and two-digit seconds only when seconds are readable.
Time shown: 10.36.14
